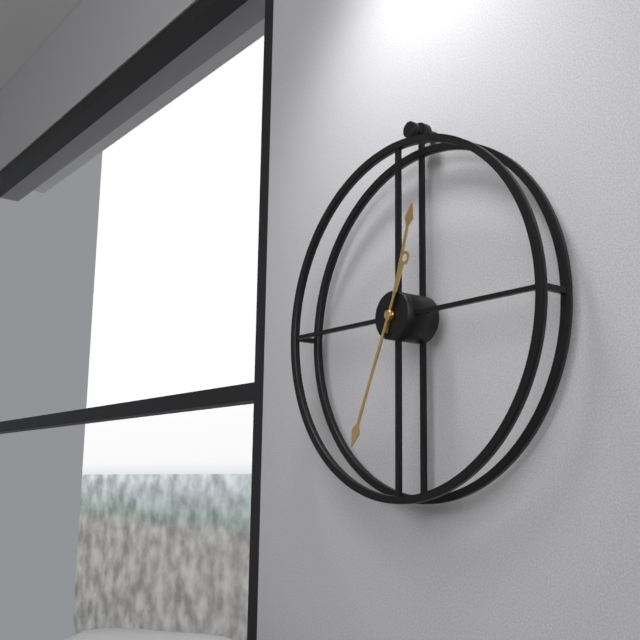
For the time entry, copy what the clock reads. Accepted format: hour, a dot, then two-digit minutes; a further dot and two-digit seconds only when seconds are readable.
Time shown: 12.34
